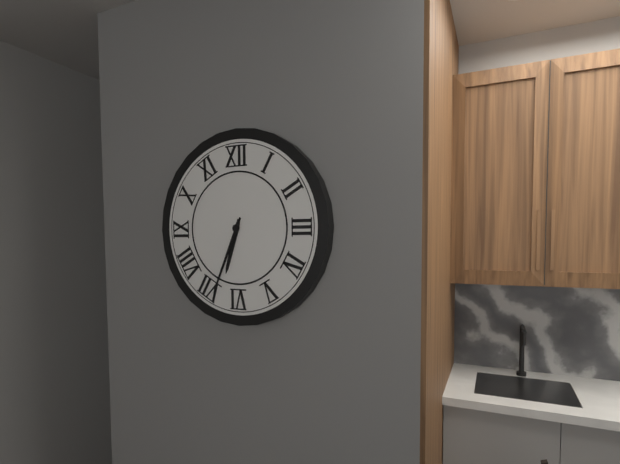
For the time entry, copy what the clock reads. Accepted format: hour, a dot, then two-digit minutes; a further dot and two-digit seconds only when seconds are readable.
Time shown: 6.34
